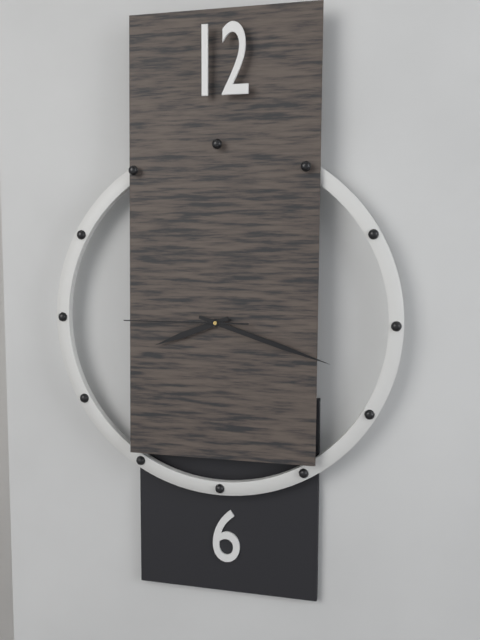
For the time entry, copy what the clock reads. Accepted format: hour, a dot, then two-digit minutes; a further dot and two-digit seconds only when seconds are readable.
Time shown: 8.18.45
